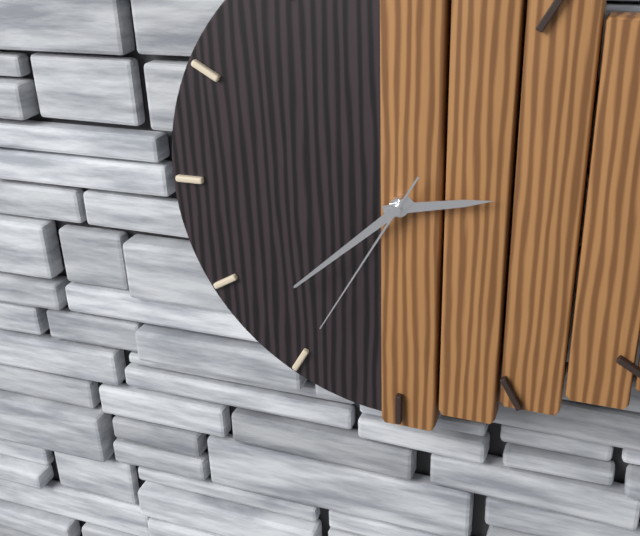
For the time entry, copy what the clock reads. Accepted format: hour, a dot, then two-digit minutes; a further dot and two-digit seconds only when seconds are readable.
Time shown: 2.38.35
